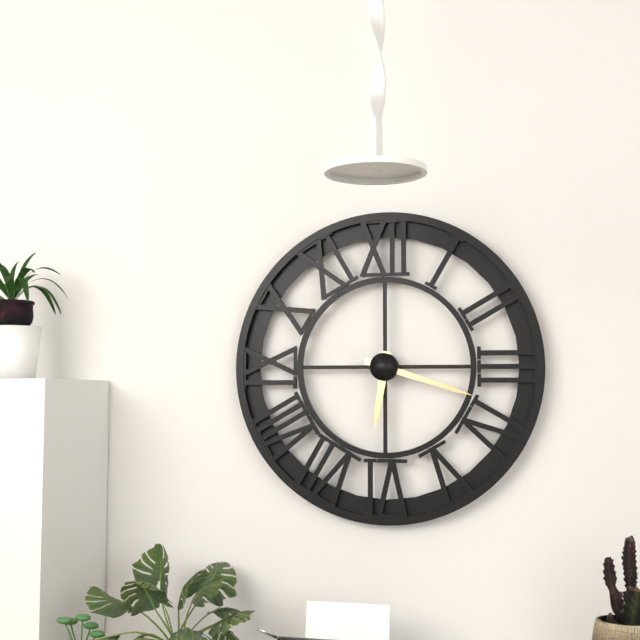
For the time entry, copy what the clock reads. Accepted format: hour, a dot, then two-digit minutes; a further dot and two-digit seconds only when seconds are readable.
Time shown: 6.18
